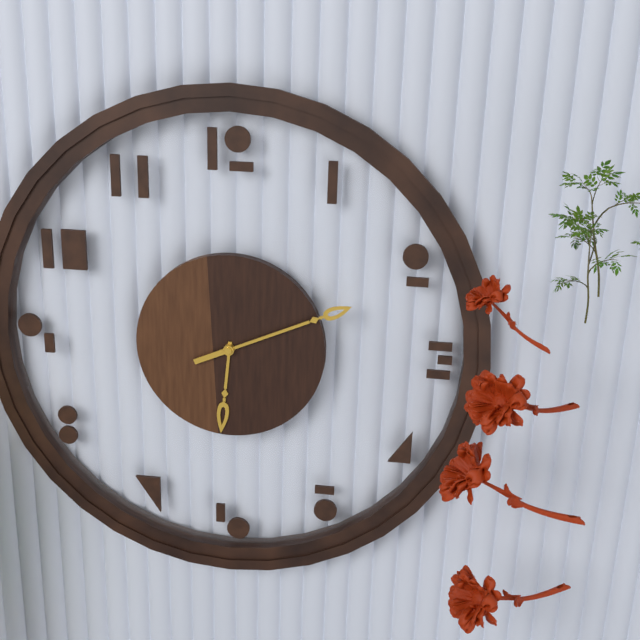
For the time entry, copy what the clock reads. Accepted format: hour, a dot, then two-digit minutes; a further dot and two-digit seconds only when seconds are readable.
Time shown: 6.11
